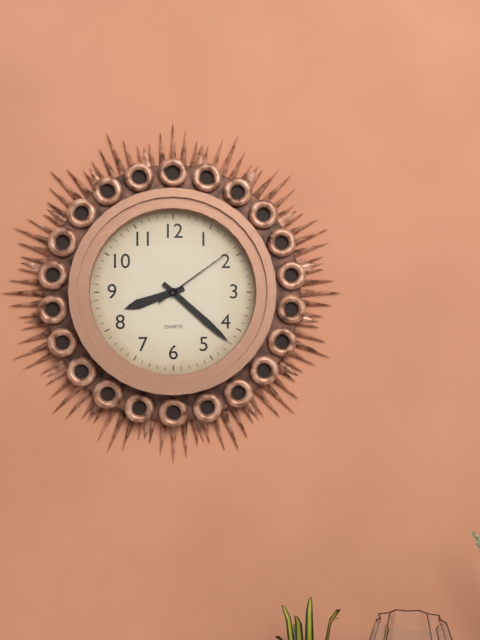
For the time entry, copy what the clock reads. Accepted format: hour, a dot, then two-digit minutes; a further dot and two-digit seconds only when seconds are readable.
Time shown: 8.22.09
